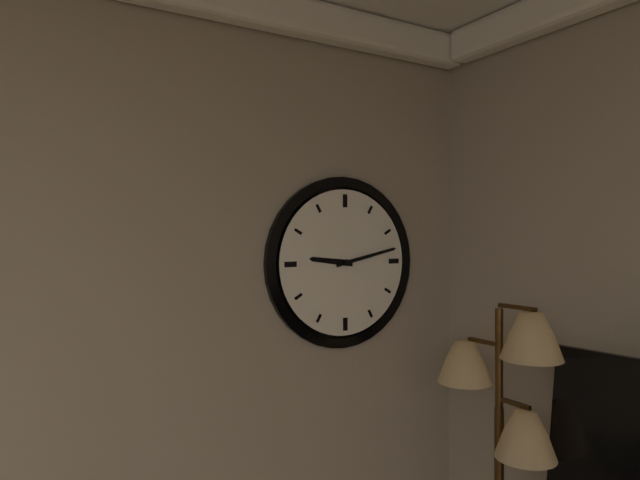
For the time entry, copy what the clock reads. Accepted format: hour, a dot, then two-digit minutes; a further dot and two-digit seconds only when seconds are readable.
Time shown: 9.13
